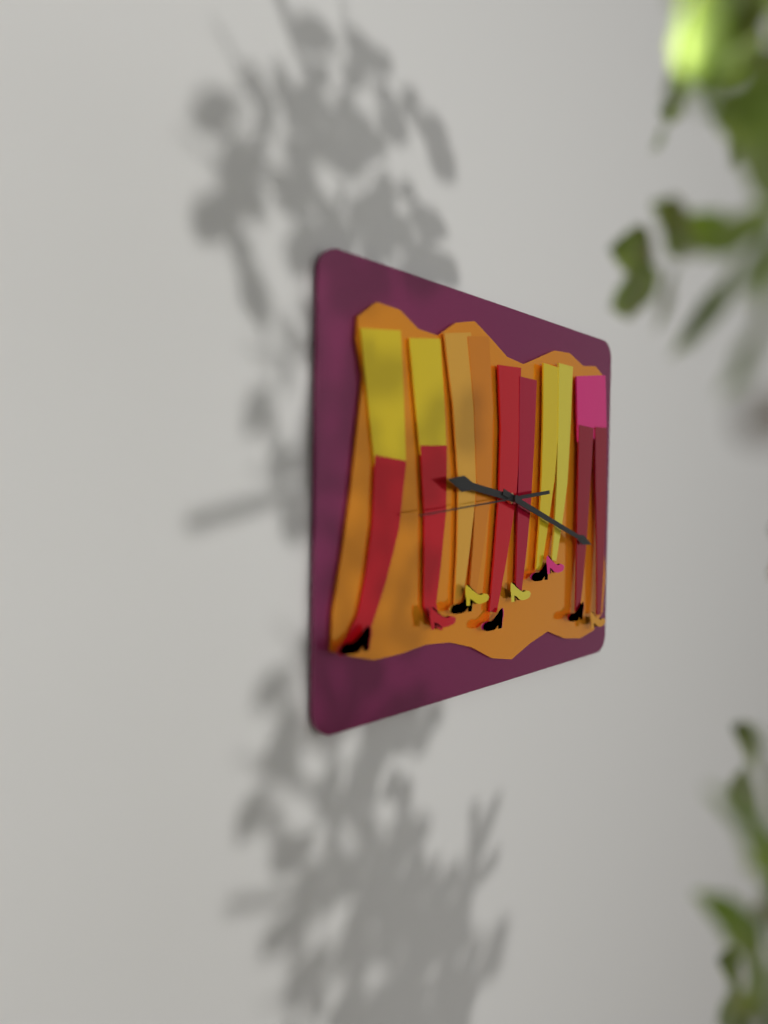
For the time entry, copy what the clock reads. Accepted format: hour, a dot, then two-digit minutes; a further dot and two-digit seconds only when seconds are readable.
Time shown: 9.18.44
